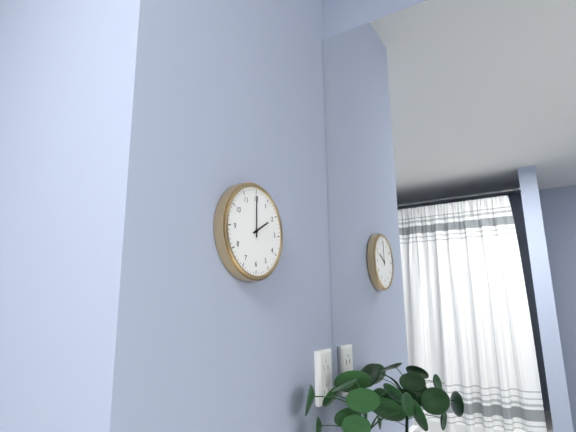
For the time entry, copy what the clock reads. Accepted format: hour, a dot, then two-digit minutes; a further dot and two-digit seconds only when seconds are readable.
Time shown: 2.00
